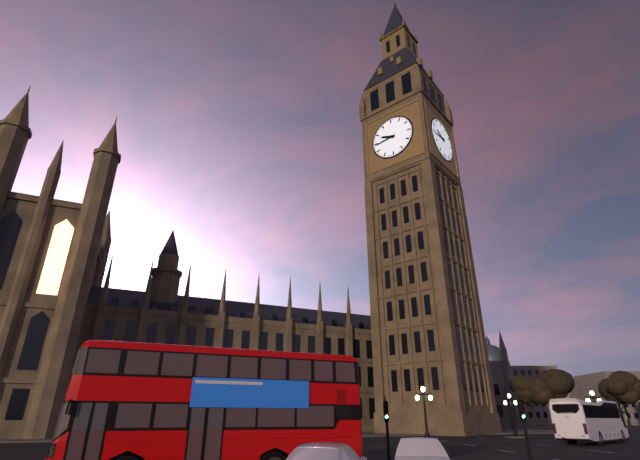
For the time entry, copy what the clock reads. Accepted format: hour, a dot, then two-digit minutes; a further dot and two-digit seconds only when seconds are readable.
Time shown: 9.44
